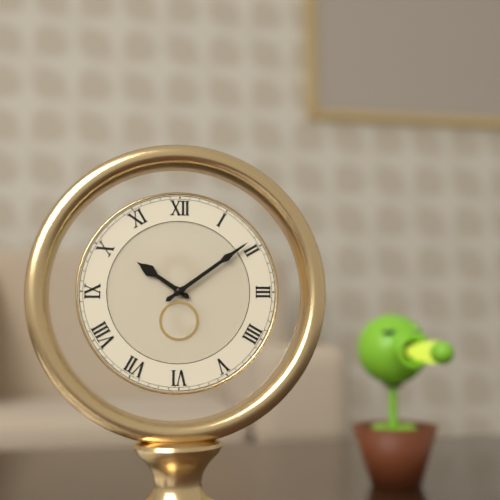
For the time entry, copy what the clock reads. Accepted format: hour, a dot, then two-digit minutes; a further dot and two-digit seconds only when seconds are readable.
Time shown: 10.09
